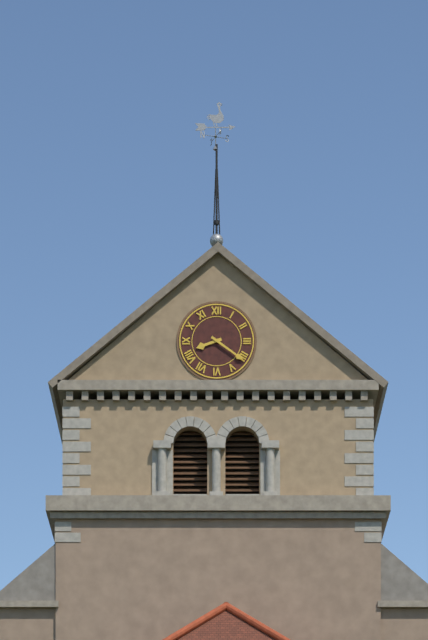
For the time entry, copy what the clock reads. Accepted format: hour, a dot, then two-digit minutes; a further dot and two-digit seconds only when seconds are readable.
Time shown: 8.21
